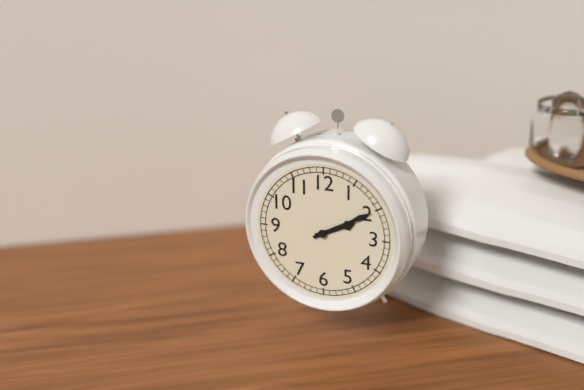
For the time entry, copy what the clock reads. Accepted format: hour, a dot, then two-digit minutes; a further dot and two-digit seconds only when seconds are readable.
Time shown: 2.10
